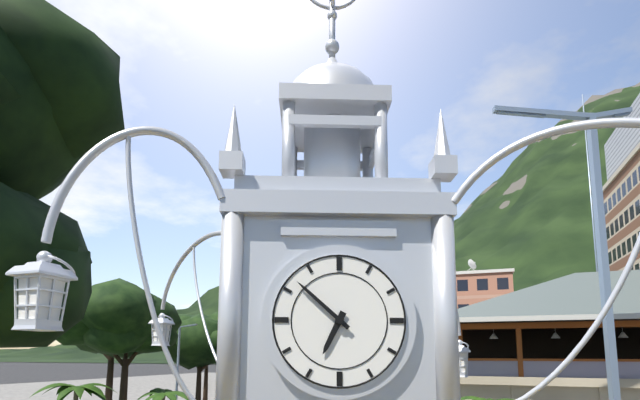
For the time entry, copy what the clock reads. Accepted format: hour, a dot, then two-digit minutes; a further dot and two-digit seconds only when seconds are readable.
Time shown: 6.52
